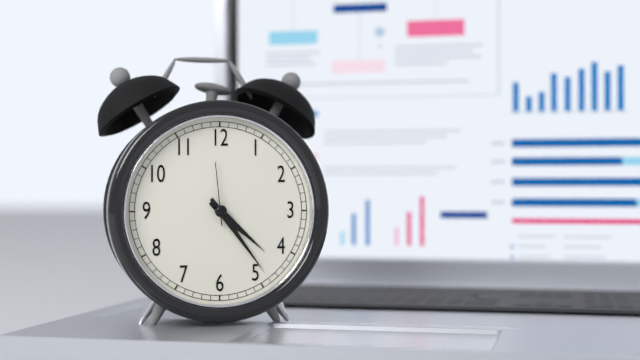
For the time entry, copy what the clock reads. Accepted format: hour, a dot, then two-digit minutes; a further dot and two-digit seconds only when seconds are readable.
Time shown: 4.24.59
